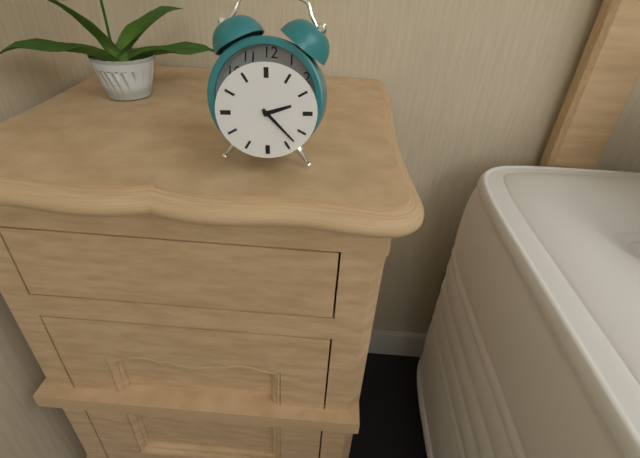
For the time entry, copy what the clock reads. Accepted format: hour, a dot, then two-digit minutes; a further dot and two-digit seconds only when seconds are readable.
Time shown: 2.23
